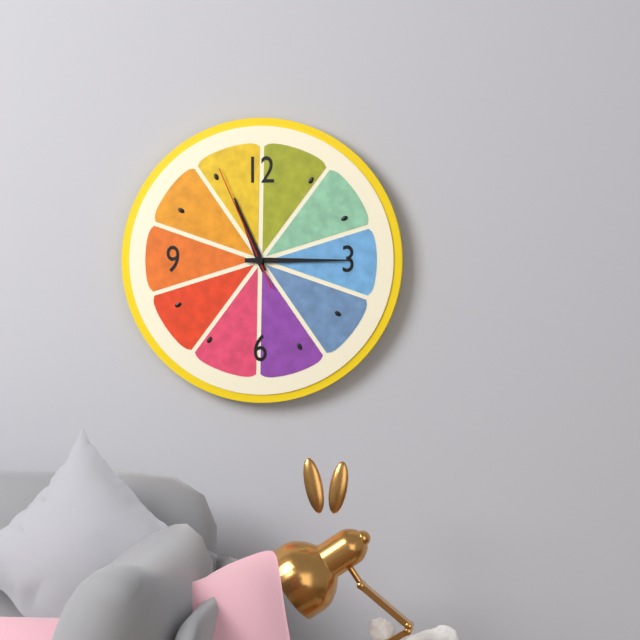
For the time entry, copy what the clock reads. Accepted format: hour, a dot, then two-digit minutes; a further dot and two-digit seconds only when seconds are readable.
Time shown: 11.15.56
